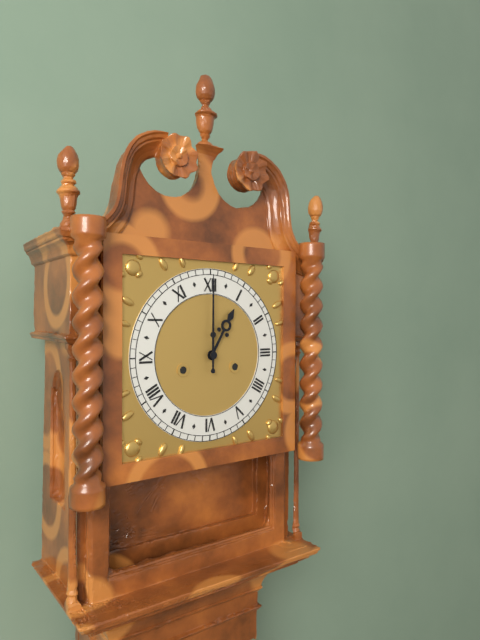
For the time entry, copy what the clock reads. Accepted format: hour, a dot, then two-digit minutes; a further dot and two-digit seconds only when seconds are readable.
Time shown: 1.00
